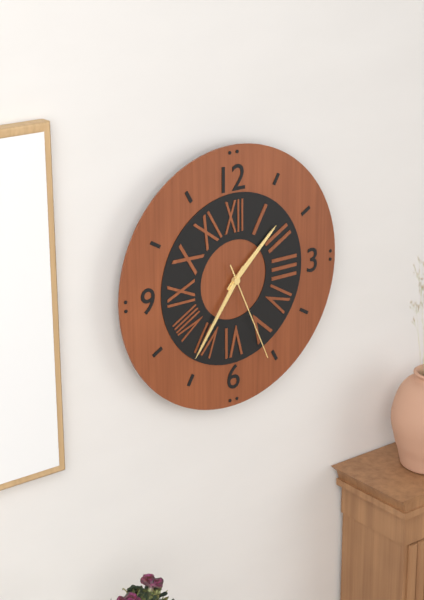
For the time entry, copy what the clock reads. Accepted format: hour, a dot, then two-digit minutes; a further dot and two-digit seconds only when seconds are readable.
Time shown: 1.36.26
